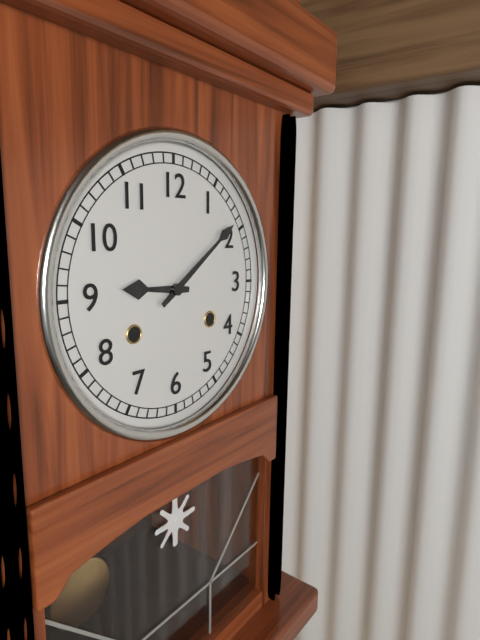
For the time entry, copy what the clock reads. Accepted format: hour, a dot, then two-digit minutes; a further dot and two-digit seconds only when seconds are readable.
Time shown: 9.09
